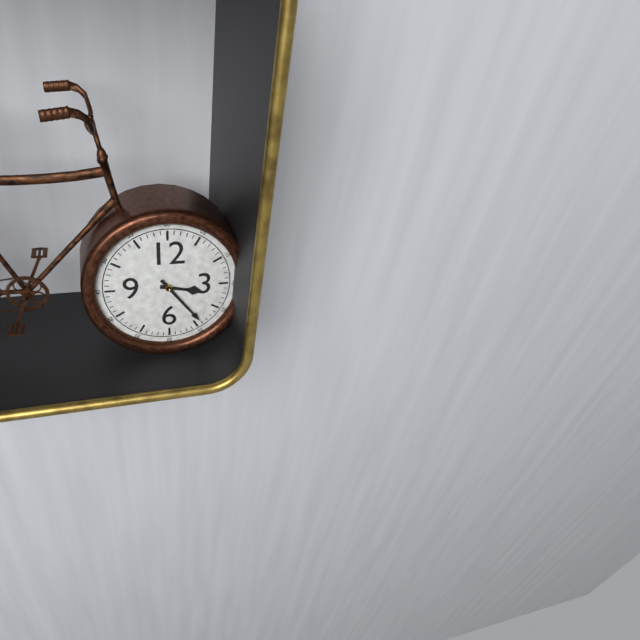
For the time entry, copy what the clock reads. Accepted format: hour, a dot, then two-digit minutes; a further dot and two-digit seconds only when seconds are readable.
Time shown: 3.24
